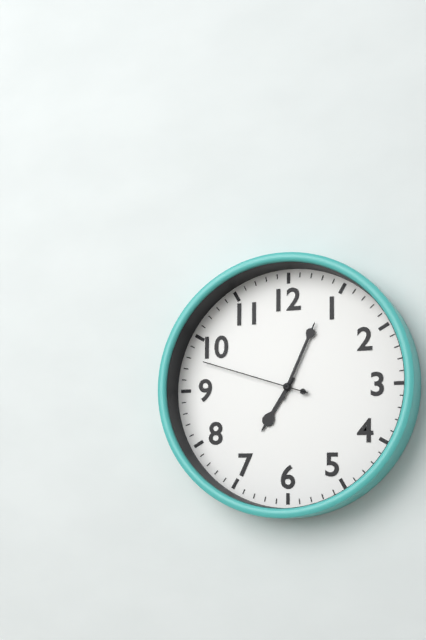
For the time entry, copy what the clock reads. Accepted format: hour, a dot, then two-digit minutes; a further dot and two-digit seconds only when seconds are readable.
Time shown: 7.04.48
